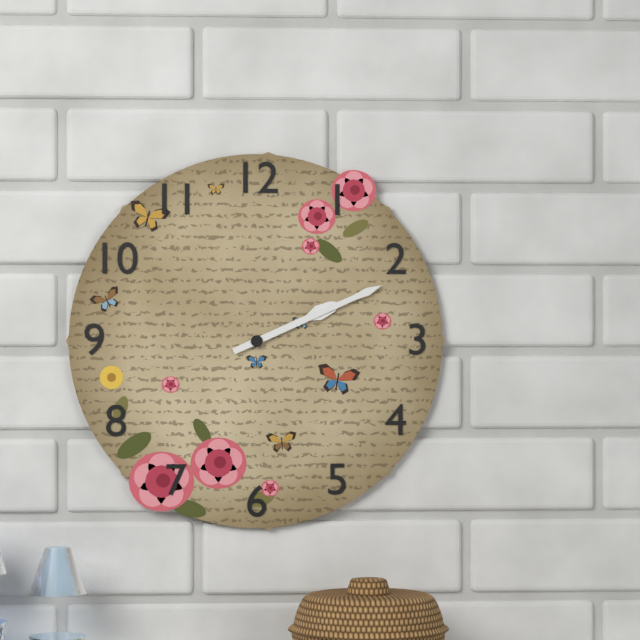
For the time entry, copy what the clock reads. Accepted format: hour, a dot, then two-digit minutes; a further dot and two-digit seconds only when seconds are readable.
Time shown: 2.11
